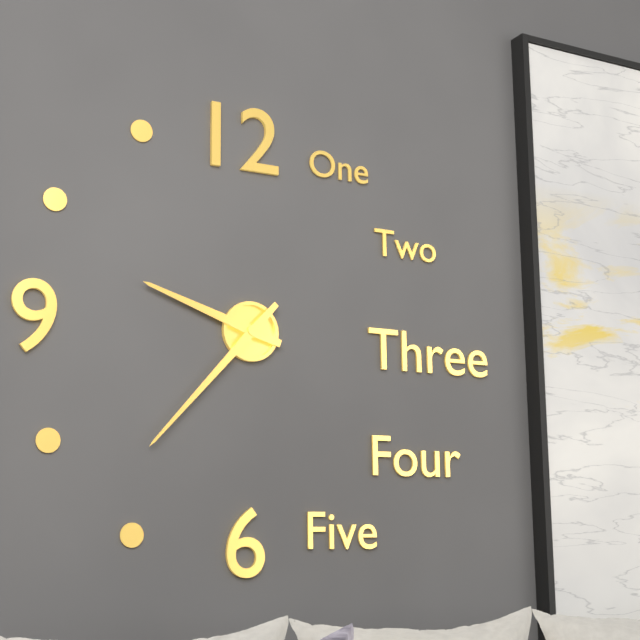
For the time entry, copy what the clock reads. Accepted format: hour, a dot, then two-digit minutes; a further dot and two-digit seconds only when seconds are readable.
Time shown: 9.37
